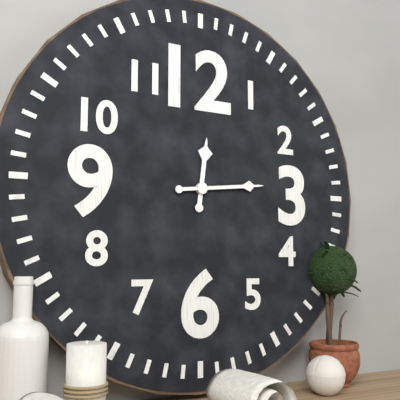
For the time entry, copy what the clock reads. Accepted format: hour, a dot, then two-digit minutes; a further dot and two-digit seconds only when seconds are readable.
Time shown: 12.14
